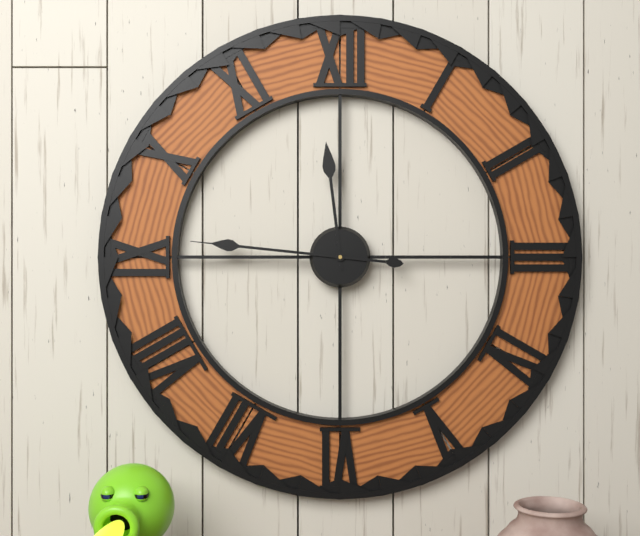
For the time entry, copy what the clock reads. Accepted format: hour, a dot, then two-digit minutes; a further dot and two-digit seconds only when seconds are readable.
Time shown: 11.46
